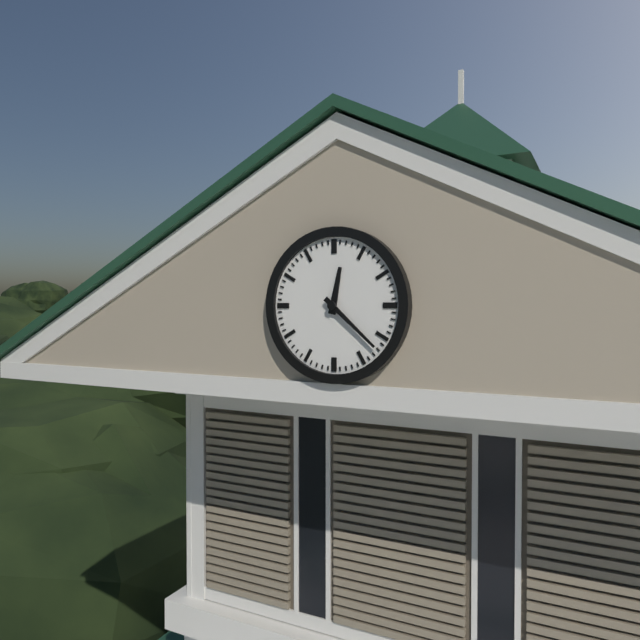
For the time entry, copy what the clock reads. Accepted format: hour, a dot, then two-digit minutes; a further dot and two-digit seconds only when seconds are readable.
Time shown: 12.22
